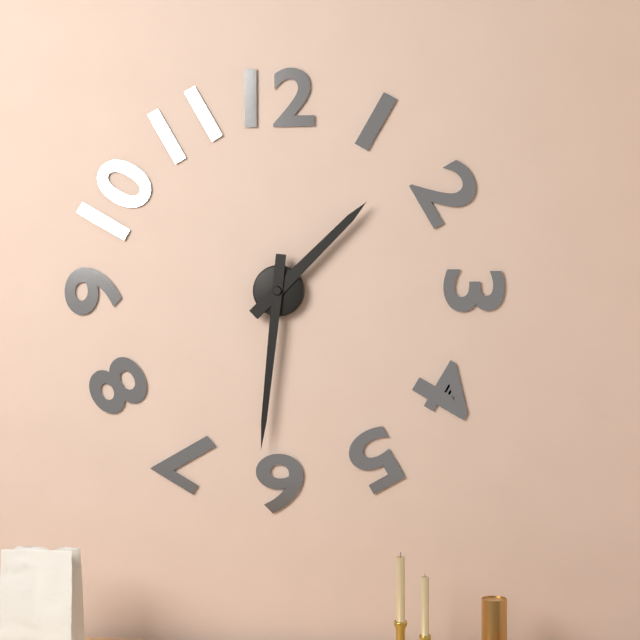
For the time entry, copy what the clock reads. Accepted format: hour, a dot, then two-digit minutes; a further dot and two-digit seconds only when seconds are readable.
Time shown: 1.31
